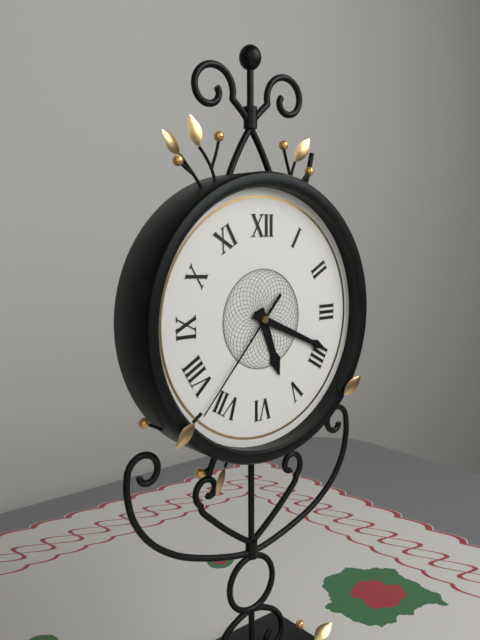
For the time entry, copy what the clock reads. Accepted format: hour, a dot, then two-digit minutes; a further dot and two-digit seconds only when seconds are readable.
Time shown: 5.19.37
